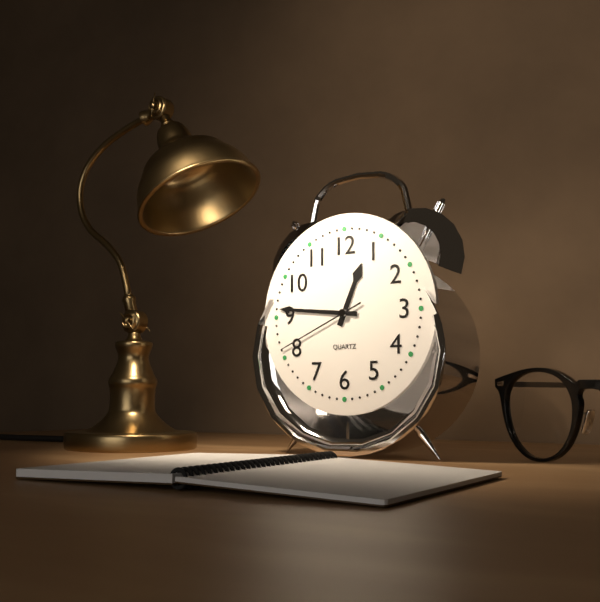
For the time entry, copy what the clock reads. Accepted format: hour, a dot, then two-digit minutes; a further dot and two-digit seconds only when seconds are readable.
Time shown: 12.46.41
